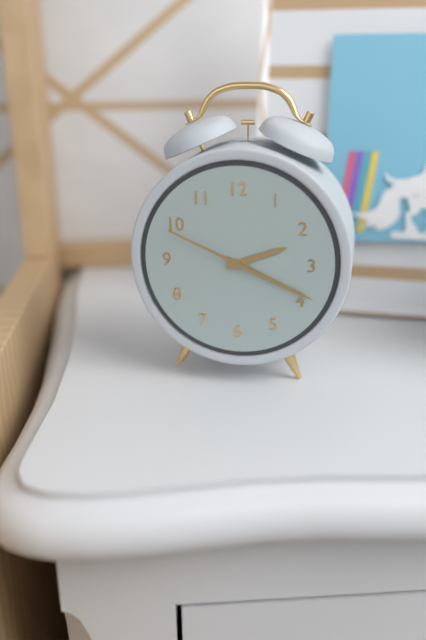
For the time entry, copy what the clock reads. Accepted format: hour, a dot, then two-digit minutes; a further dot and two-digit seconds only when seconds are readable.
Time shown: 2.19.49
